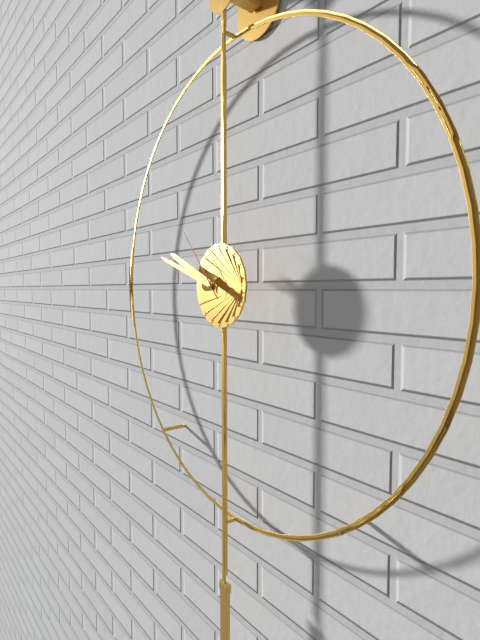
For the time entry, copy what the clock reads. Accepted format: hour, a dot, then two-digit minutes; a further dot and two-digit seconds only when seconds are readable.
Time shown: 9.48.53
